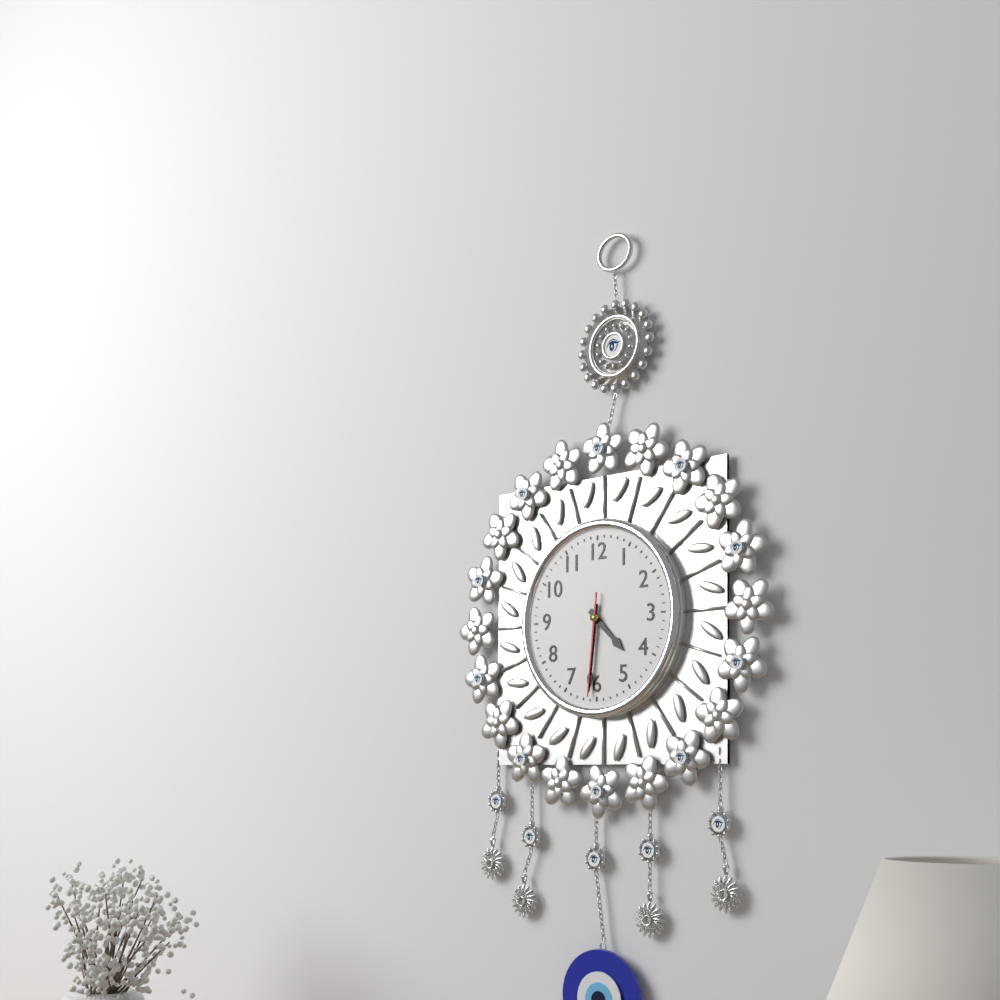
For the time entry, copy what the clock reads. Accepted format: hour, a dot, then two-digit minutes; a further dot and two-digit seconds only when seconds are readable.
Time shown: 4.31.31
